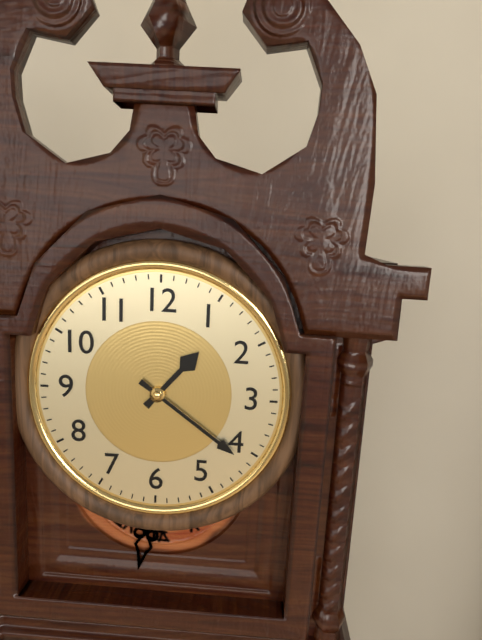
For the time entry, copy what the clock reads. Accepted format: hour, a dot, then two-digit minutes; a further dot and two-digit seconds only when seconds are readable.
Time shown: 1.21
